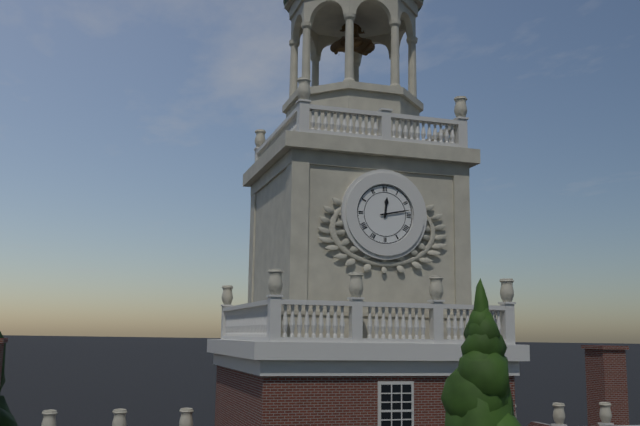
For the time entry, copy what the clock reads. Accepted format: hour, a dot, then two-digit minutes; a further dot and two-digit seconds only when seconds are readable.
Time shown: 12.13
